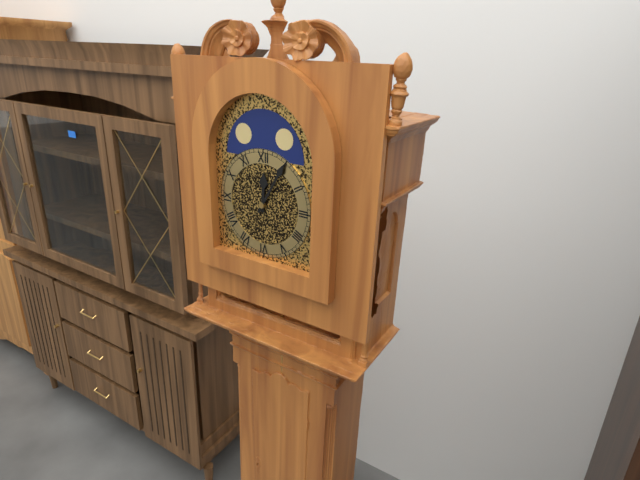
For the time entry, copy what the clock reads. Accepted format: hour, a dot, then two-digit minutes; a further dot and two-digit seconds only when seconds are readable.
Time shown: 12.05
